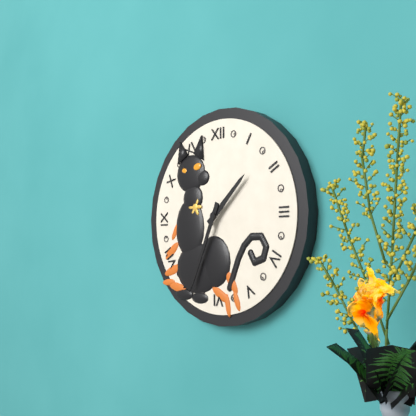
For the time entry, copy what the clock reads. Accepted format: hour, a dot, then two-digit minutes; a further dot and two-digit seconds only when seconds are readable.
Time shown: 1.34
